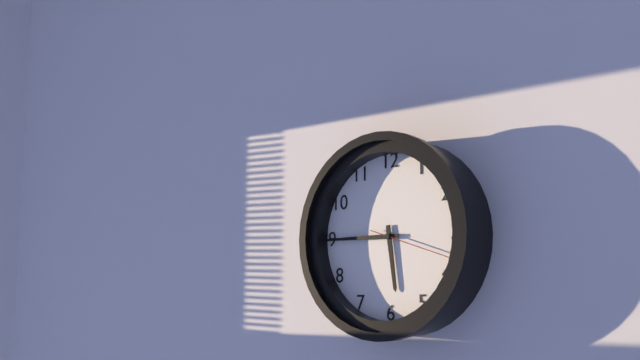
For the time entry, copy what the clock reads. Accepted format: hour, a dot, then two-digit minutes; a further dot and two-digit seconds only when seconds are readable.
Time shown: 5.45.18
